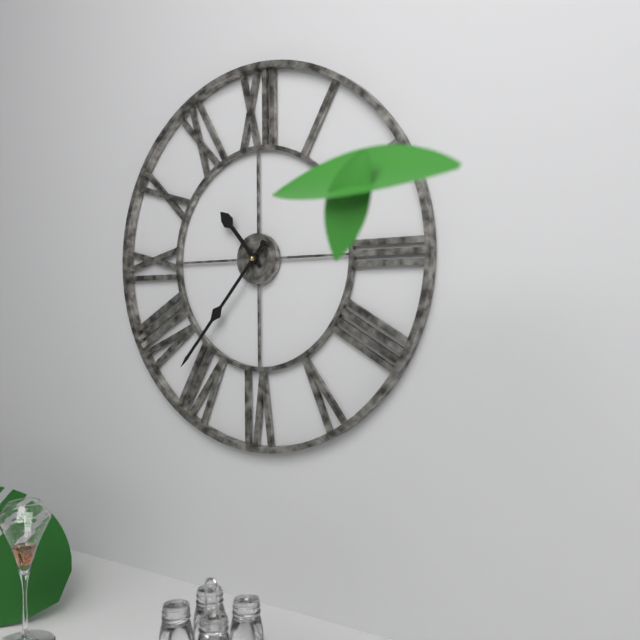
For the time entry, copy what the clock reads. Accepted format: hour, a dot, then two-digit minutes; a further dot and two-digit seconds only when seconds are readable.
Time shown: 10.37
